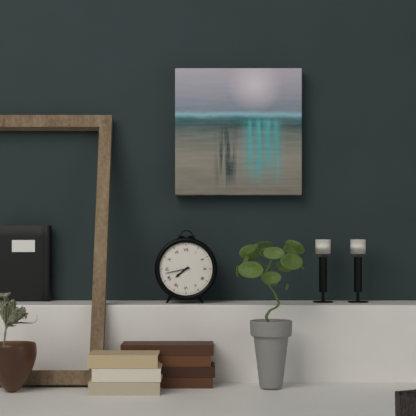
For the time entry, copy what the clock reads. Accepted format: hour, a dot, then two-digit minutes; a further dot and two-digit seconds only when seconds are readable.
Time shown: 7.43
